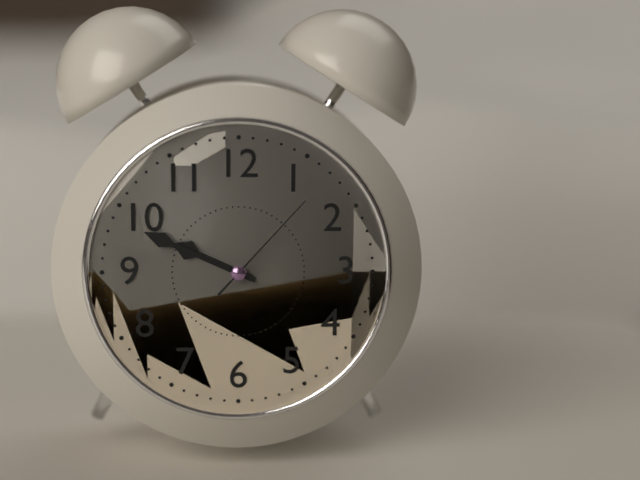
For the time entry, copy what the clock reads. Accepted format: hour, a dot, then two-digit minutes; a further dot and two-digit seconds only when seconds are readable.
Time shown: 9.49.07
